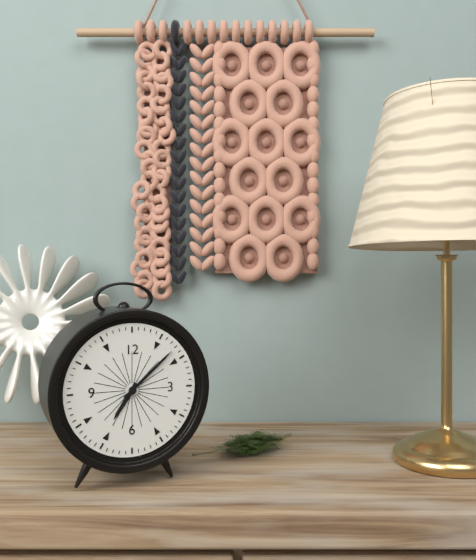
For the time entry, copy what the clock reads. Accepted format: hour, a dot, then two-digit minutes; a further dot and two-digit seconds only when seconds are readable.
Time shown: 7.08
